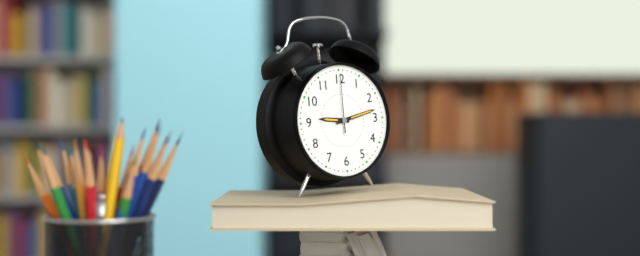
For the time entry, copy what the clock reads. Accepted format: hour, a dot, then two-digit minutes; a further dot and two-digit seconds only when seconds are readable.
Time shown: 9.13.00
